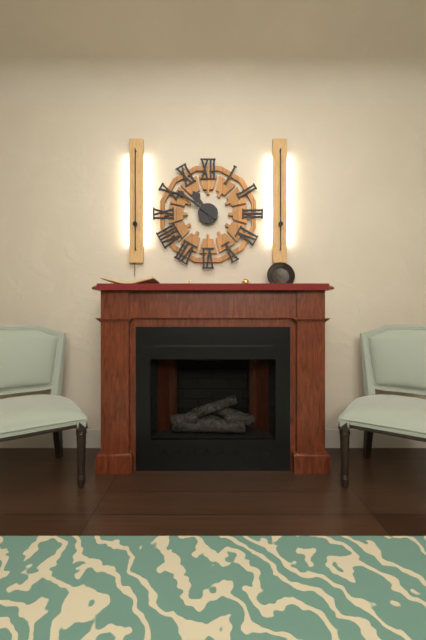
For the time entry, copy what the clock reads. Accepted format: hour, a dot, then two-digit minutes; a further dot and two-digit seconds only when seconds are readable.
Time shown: 10.51
